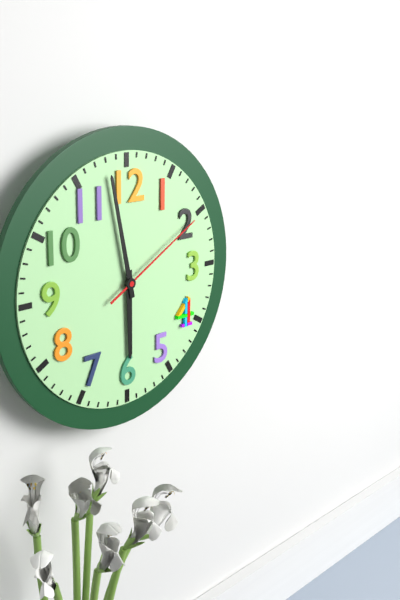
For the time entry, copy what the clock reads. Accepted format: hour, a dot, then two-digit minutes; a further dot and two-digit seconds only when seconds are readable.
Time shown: 5.58.10
